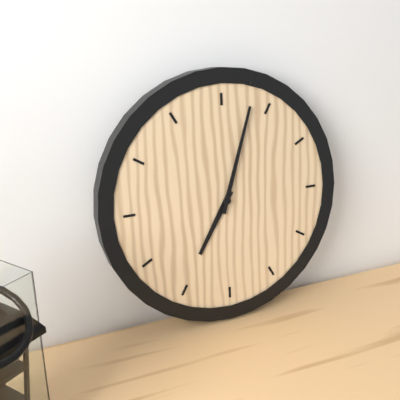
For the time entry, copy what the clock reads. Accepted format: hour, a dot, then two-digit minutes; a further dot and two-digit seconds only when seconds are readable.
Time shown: 7.03
